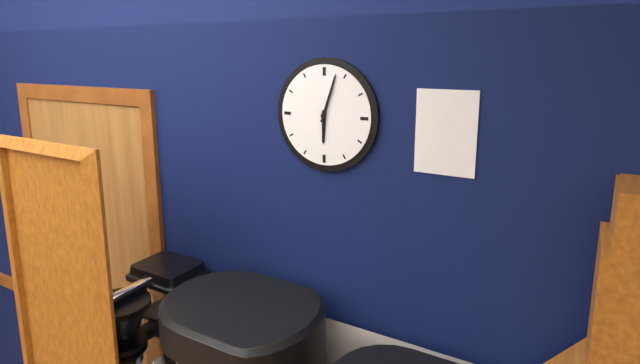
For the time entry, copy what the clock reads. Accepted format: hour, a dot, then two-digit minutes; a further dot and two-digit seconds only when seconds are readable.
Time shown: 6.03
